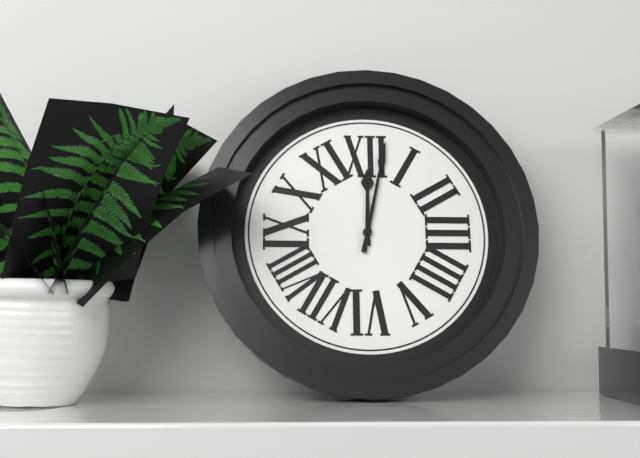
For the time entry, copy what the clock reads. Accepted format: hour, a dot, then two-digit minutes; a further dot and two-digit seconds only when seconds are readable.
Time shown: 12.02
